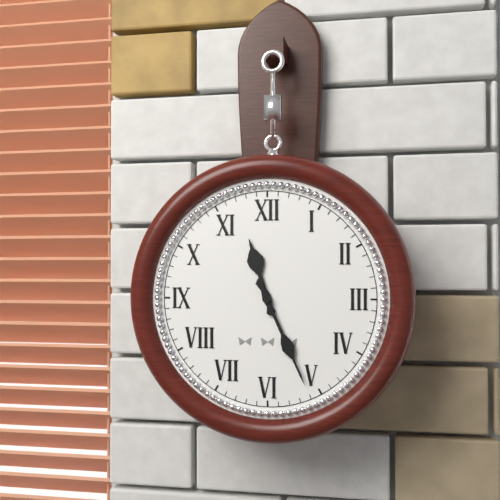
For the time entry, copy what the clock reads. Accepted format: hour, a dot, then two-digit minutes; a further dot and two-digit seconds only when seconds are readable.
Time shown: 11.26
